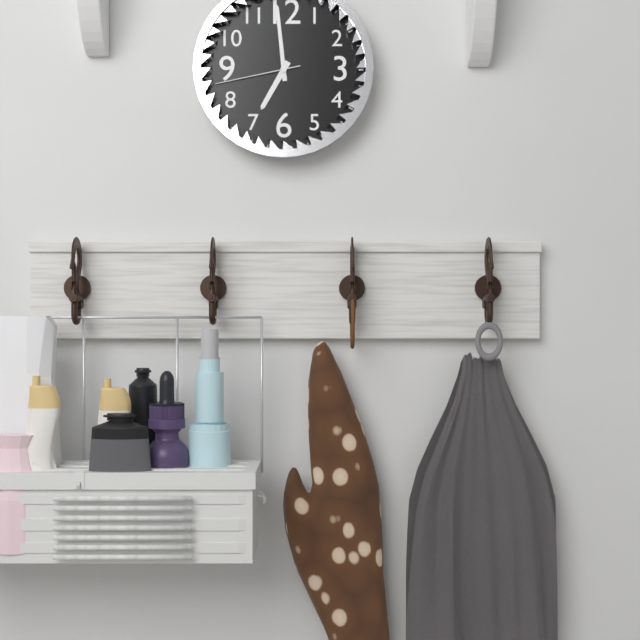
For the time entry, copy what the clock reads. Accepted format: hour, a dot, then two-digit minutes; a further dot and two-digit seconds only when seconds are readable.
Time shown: 6.59.43
